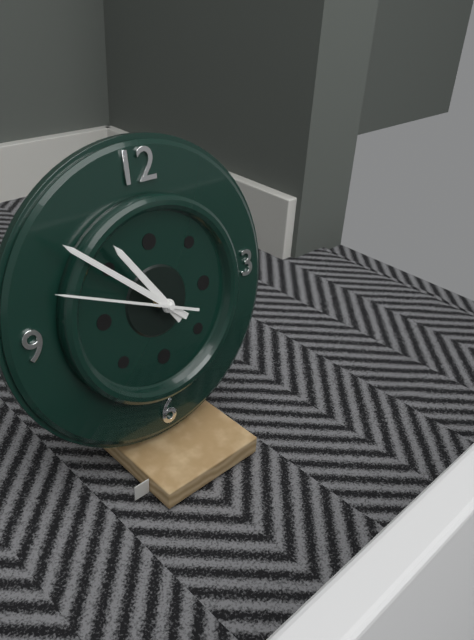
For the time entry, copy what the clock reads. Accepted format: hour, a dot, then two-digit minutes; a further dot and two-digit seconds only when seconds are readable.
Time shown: 10.52.49
